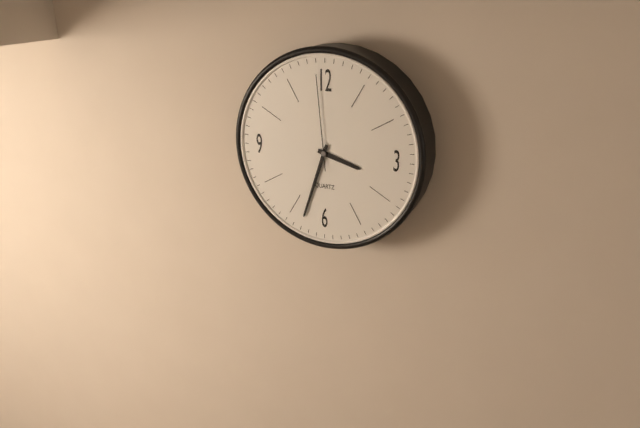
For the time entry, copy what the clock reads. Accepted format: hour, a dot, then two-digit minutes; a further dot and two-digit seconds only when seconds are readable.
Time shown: 3.33.59
